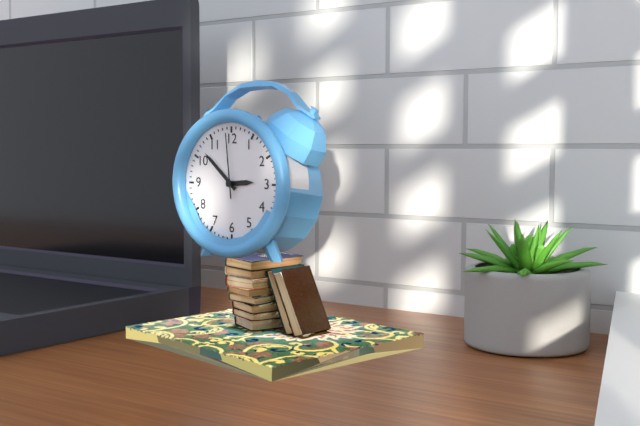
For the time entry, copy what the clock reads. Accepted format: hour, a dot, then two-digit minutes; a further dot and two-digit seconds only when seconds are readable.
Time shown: 2.52.59
